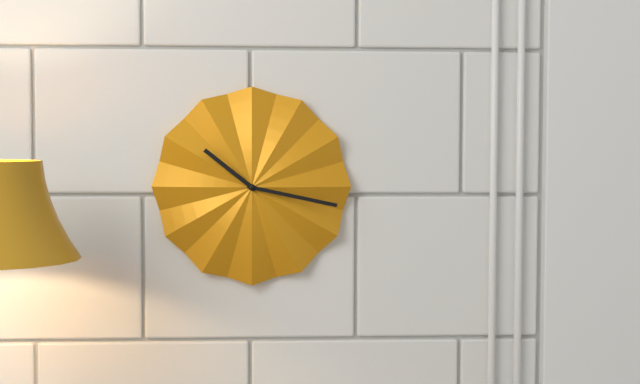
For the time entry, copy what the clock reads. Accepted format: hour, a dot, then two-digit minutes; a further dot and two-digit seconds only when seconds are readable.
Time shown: 10.17
